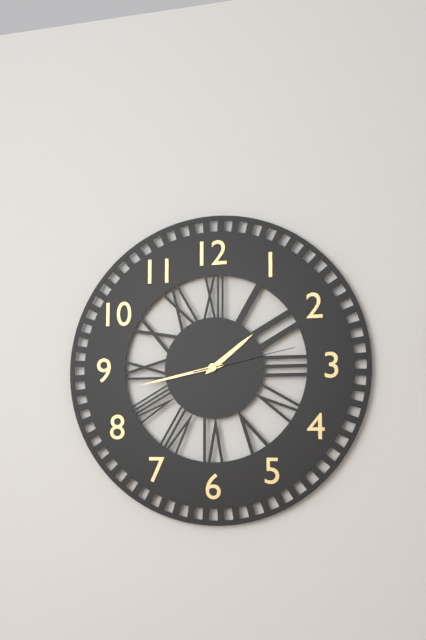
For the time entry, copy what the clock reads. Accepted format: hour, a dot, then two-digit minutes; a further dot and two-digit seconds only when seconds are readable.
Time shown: 1.43.13
